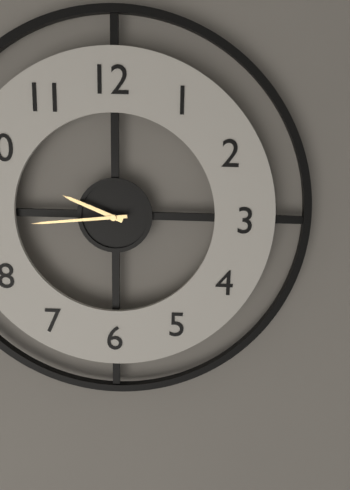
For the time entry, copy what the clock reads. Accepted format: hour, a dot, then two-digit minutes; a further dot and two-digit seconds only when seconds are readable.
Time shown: 9.44
